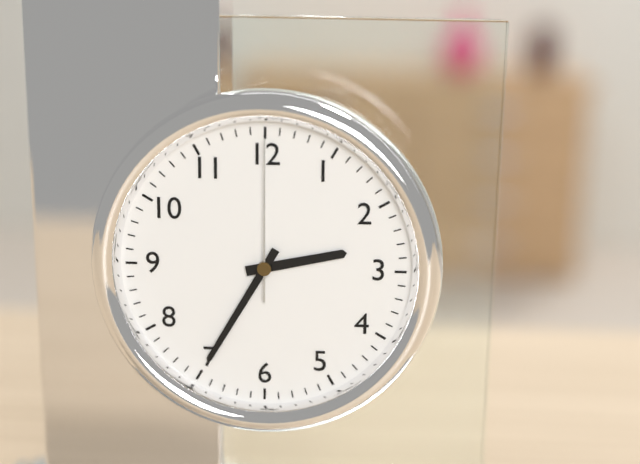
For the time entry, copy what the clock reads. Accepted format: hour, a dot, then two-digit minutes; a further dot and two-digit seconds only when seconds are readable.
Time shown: 2.35.00
